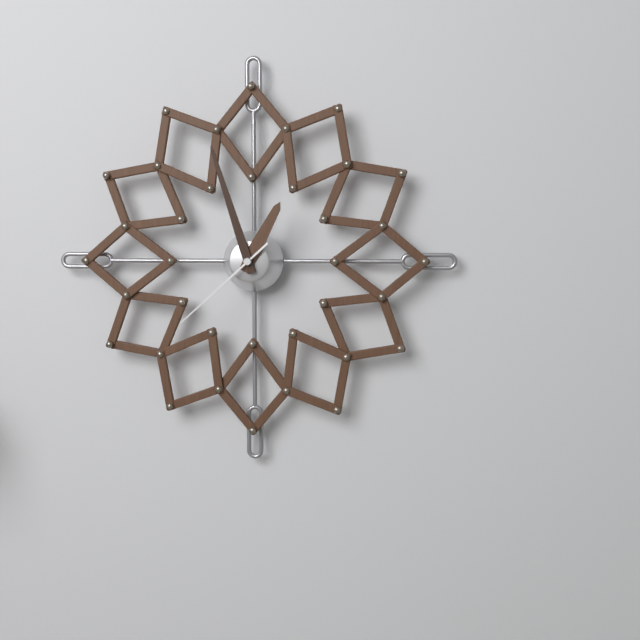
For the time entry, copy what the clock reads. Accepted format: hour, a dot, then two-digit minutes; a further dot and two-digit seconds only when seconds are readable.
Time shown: 12.57.38
